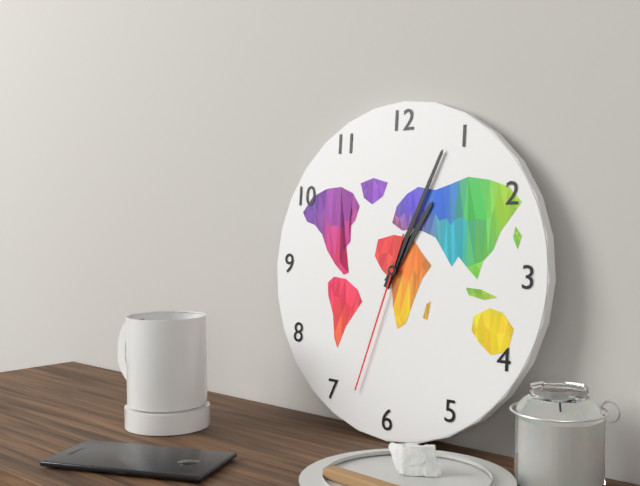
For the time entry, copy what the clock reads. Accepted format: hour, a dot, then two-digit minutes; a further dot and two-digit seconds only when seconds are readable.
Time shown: 1.04.33
